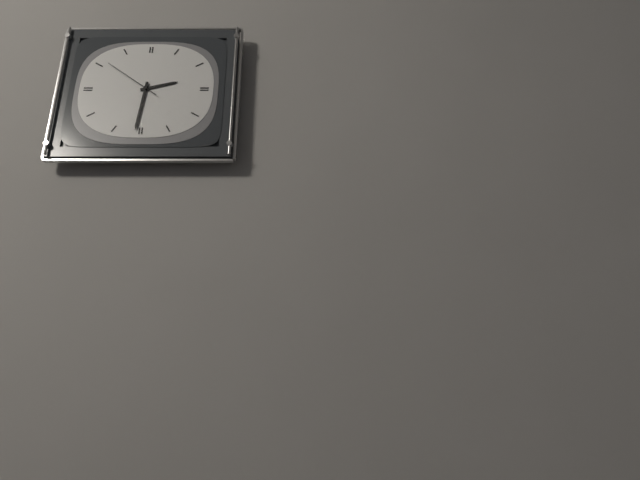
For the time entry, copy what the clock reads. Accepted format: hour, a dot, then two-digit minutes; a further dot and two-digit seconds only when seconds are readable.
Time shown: 2.31.51
